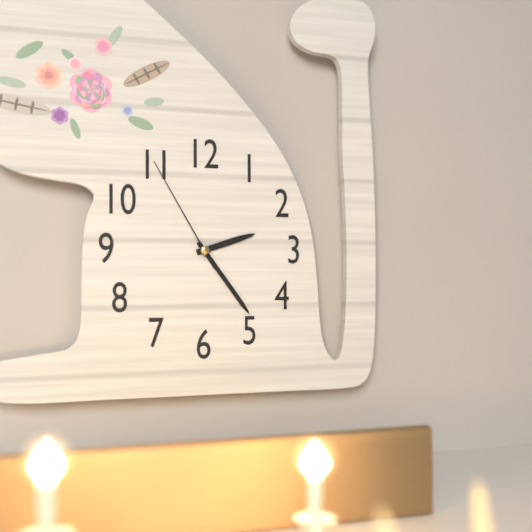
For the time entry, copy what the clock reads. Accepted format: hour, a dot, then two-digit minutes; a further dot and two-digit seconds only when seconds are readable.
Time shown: 2.24.55
